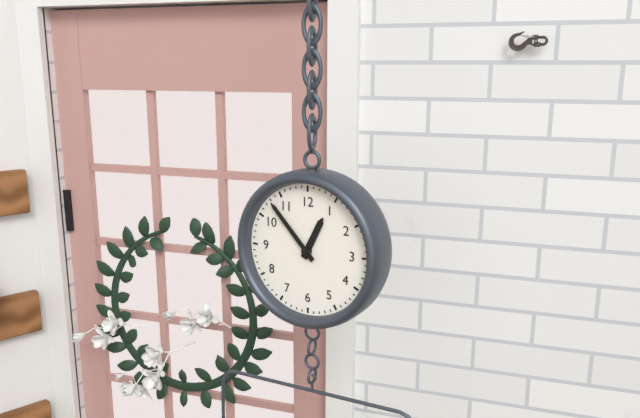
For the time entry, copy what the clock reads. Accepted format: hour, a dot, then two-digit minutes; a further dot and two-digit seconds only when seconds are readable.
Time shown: 12.53
